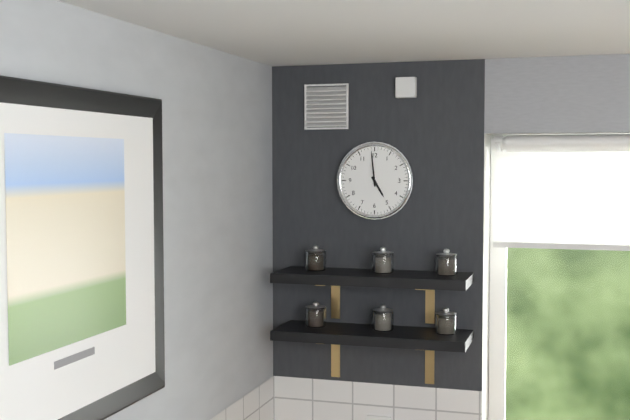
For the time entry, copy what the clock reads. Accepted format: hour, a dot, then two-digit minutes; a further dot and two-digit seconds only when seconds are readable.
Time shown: 4.59
